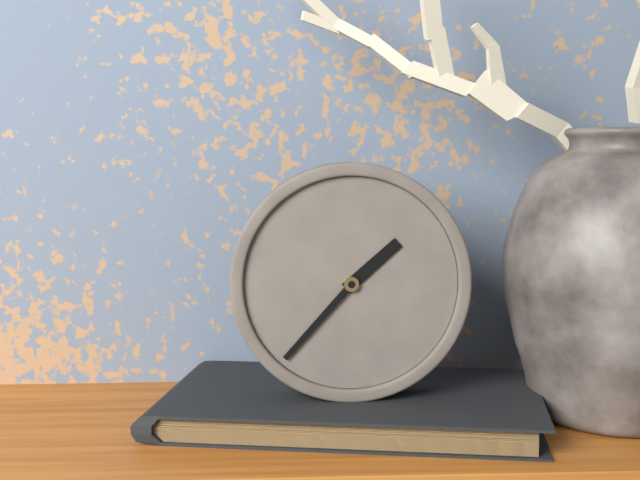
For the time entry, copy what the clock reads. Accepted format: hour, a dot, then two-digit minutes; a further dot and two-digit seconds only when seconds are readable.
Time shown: 1.37
